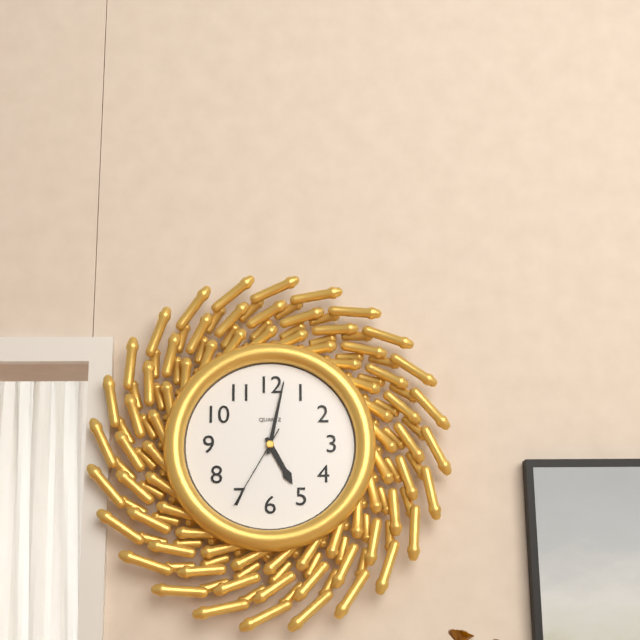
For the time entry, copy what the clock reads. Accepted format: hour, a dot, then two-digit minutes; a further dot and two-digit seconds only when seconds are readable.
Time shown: 5.02.35
